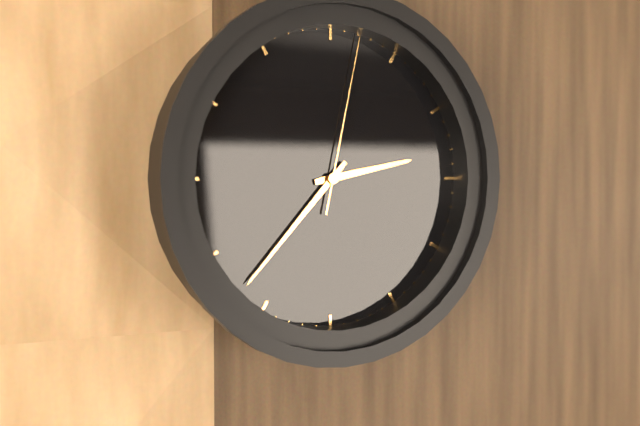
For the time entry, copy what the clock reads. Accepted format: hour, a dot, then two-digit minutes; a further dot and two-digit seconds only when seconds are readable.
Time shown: 2.37.02
